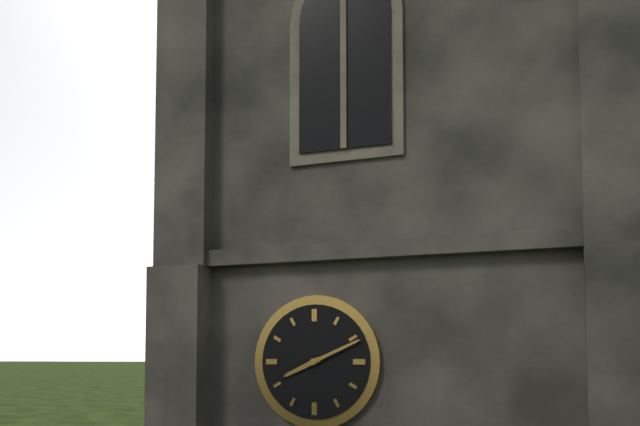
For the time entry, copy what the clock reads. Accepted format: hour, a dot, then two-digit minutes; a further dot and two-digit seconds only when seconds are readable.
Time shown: 8.11
